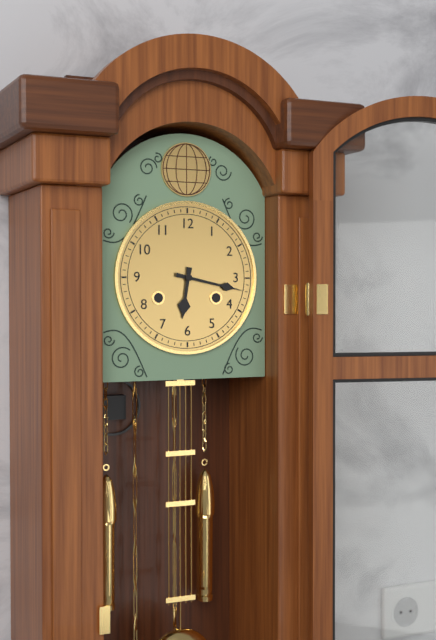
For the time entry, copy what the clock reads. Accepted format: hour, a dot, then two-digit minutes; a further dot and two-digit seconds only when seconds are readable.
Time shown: 6.17
